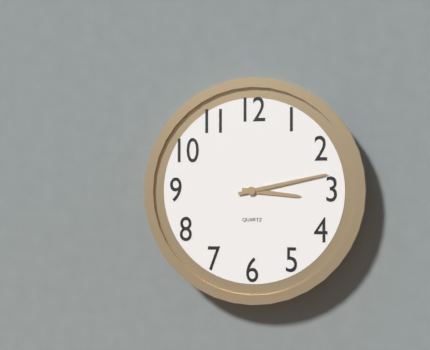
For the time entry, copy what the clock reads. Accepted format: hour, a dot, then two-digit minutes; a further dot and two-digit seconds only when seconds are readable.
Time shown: 3.13
